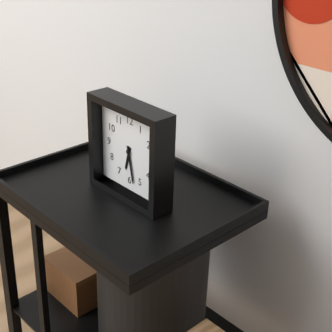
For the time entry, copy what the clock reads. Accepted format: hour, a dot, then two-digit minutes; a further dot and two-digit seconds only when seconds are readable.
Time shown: 6.28
